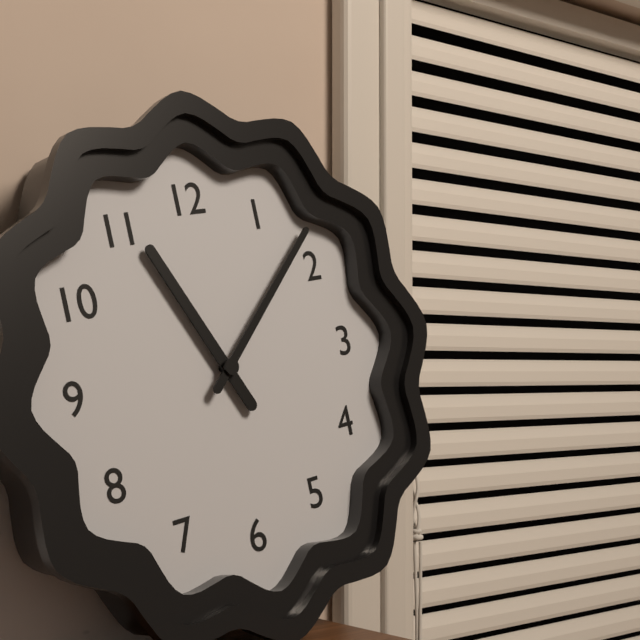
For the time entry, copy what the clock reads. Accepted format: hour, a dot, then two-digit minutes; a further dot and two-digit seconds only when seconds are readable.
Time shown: 11.08
